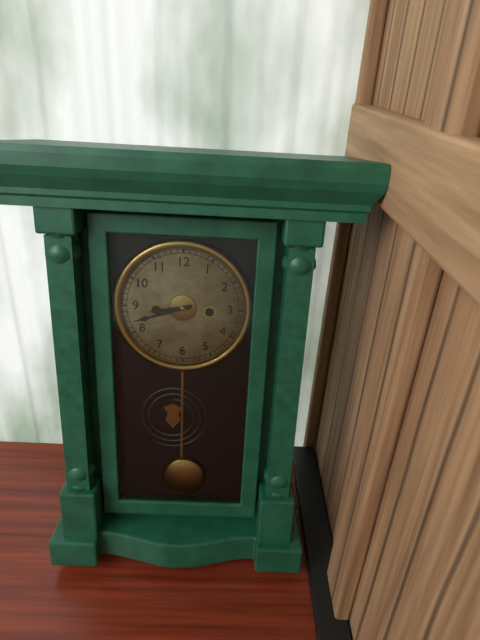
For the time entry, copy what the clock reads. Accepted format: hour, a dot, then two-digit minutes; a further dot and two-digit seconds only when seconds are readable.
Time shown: 8.42
